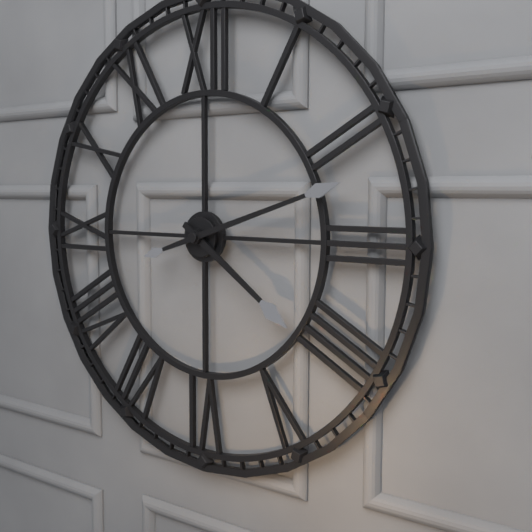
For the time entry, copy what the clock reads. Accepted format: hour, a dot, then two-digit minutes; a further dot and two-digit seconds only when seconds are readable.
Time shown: 4.12
